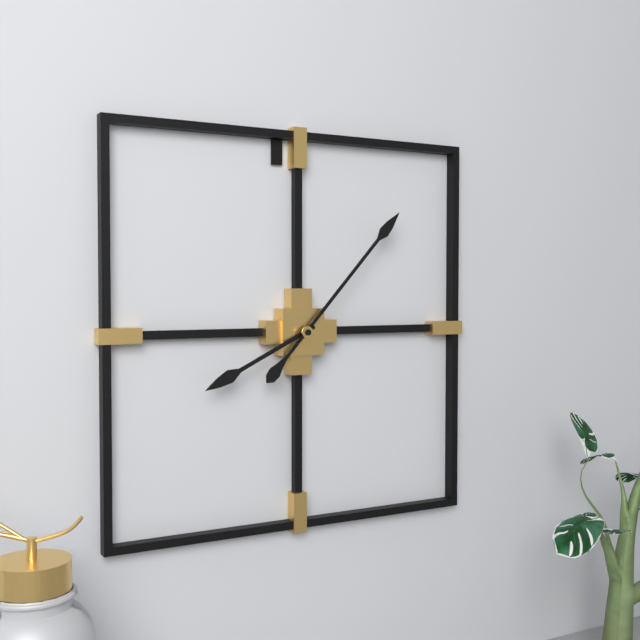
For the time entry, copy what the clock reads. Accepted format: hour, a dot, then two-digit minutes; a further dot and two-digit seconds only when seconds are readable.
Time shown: 8.07
